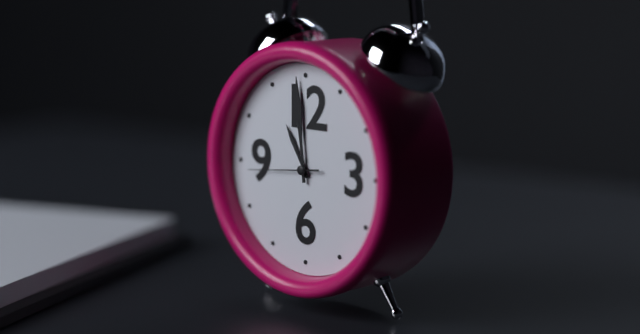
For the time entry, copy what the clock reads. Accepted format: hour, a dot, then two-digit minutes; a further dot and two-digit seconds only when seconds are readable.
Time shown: 10.59.44
